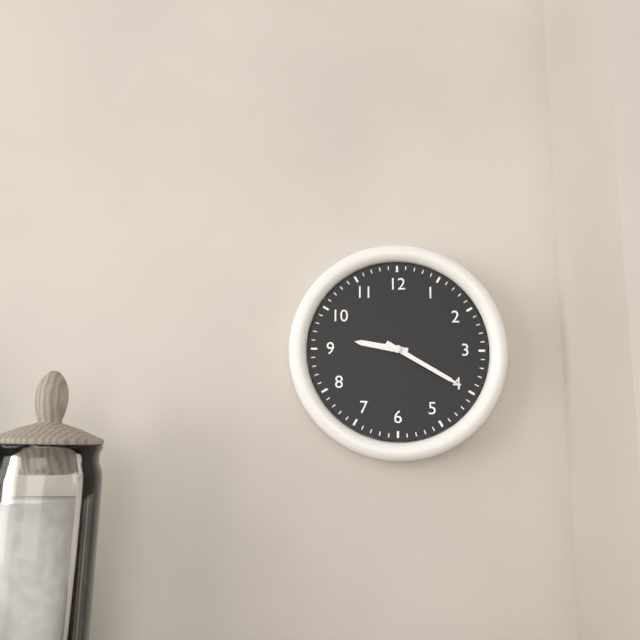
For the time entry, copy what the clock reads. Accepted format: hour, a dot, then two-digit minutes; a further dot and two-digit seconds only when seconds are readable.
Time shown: 9.20
